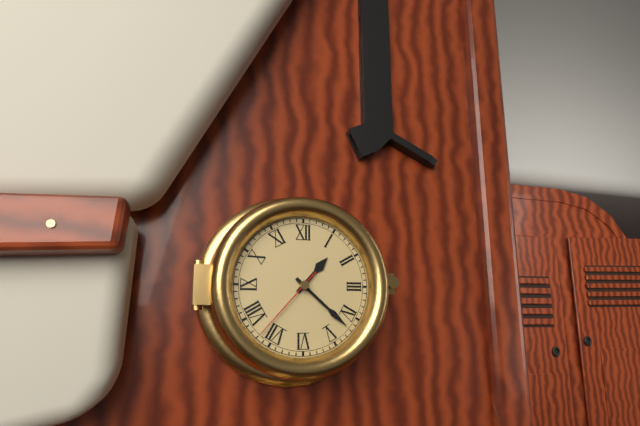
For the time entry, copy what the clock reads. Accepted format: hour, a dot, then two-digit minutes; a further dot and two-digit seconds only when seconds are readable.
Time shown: 1.22.37
